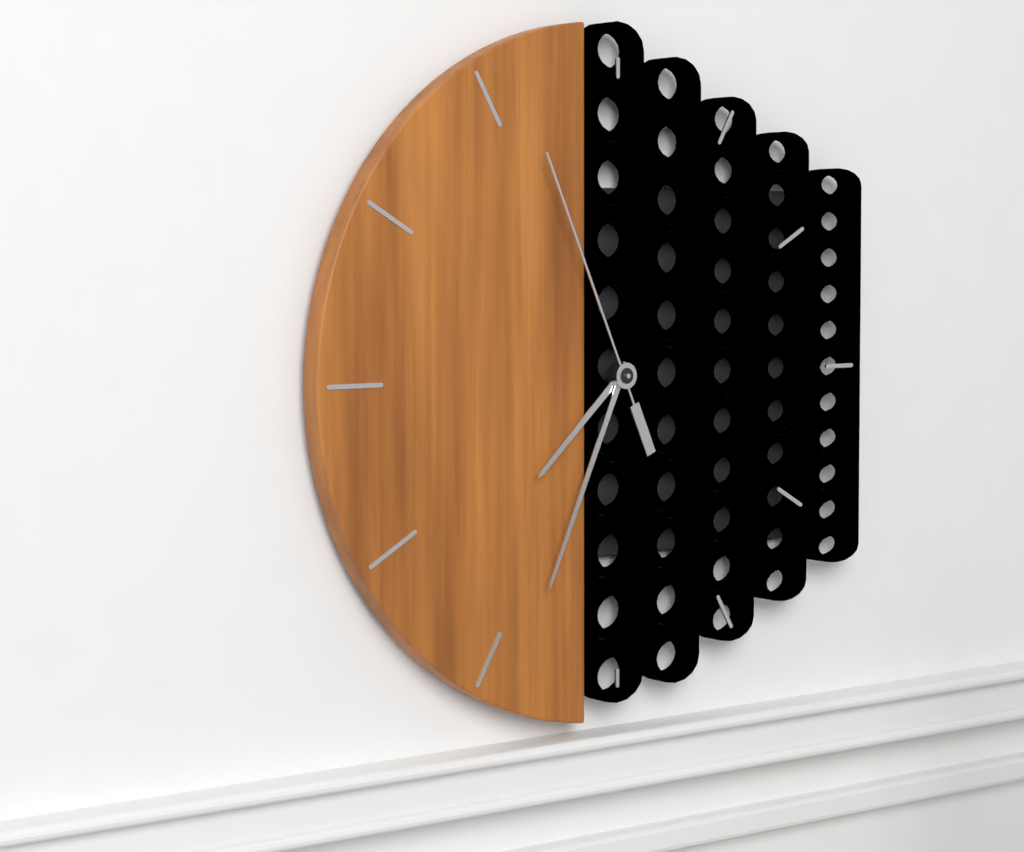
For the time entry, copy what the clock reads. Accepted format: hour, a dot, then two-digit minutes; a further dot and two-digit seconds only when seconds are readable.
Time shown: 7.34.56
